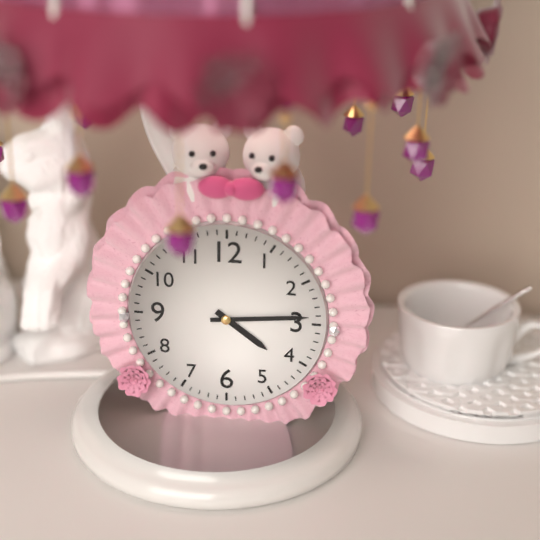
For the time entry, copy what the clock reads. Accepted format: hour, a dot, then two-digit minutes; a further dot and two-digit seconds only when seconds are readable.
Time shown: 4.14
